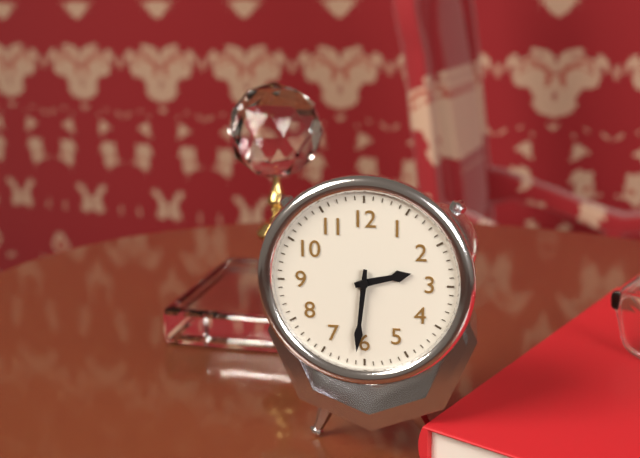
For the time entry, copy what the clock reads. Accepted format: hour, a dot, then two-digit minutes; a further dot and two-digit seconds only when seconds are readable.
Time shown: 2.31
